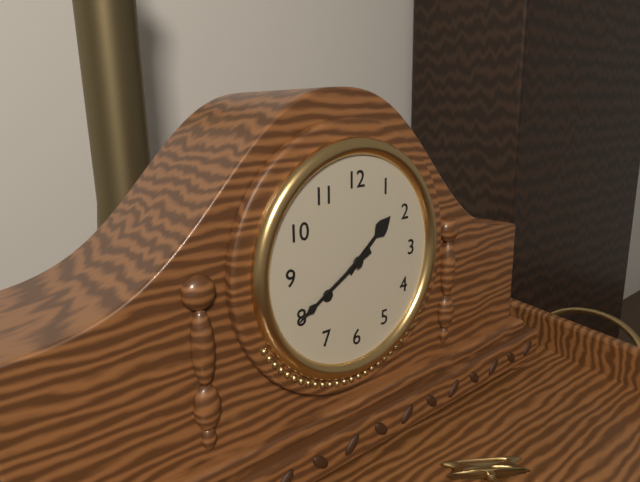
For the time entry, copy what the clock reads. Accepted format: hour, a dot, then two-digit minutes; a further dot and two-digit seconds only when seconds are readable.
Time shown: 1.40
